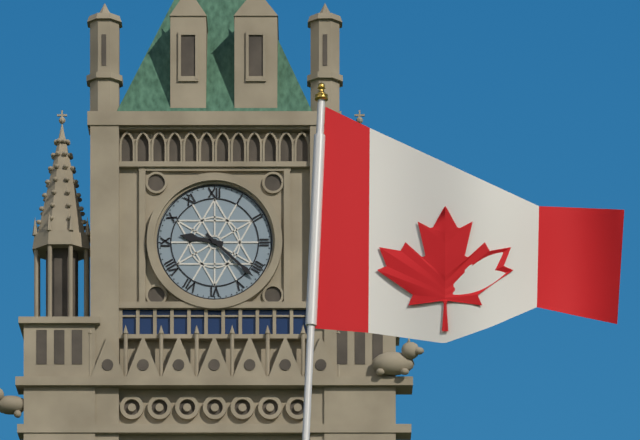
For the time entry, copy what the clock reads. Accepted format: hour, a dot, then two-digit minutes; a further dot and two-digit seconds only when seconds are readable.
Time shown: 9.22
